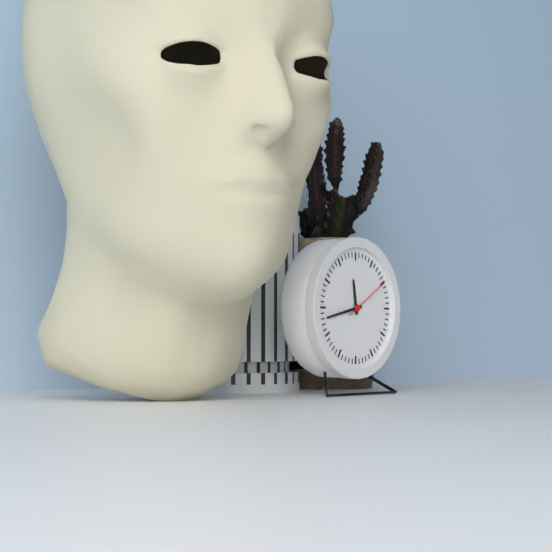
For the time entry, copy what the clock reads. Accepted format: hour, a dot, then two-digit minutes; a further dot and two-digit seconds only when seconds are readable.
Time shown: 11.43
